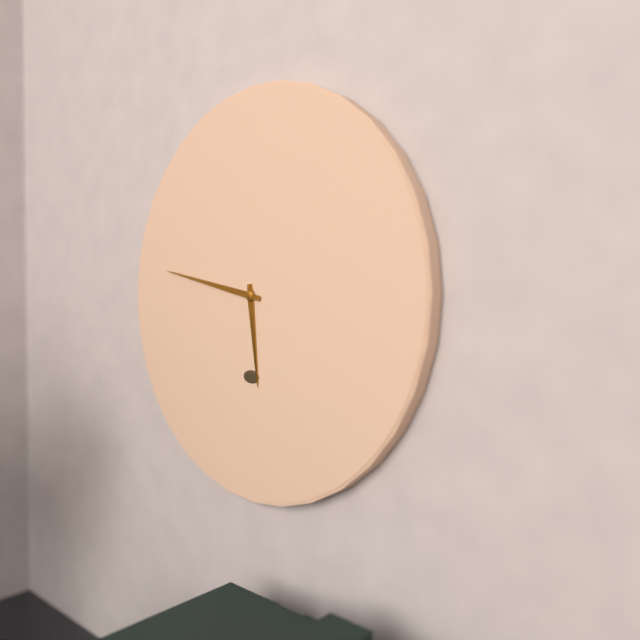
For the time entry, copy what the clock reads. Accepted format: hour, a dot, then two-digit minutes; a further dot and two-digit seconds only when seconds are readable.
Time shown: 5.47
